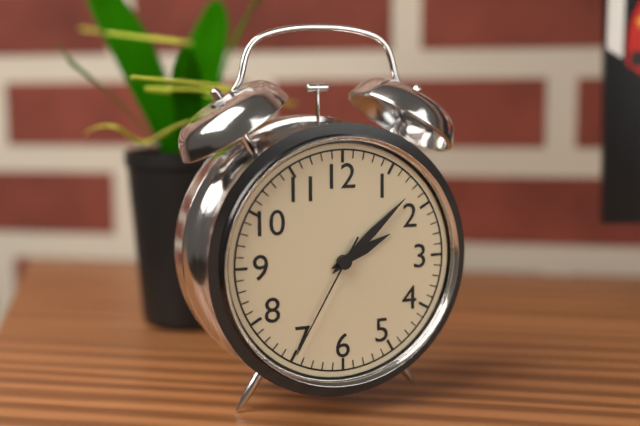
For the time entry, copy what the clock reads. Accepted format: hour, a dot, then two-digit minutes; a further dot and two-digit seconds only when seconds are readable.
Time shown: 2.08.35
